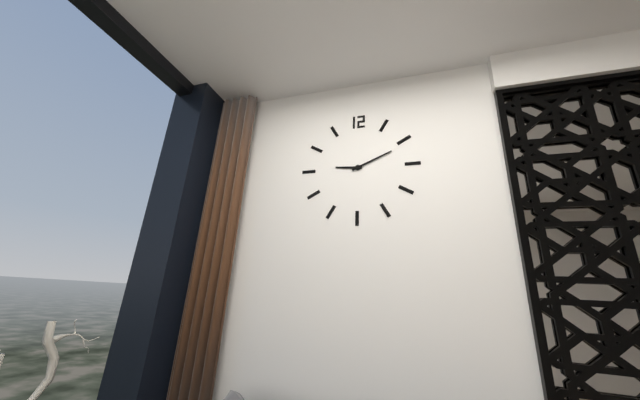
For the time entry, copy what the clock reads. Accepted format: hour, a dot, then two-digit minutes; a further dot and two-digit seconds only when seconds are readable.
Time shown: 9.11
